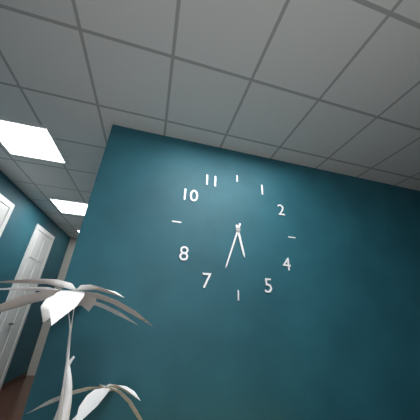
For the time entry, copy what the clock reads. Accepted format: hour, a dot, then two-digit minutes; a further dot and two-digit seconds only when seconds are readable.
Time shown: 5.33
